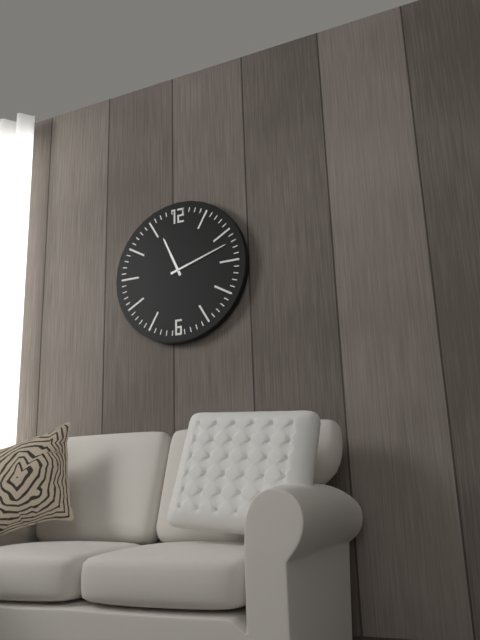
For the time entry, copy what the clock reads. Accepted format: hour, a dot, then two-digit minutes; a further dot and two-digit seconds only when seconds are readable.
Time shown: 11.12
